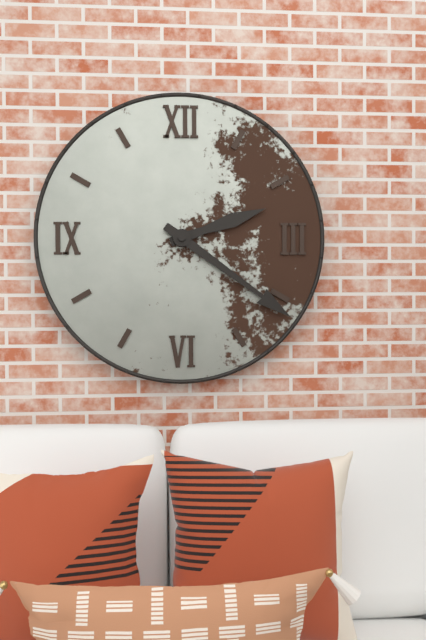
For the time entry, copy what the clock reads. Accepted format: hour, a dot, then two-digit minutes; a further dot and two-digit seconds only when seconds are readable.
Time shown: 2.21
